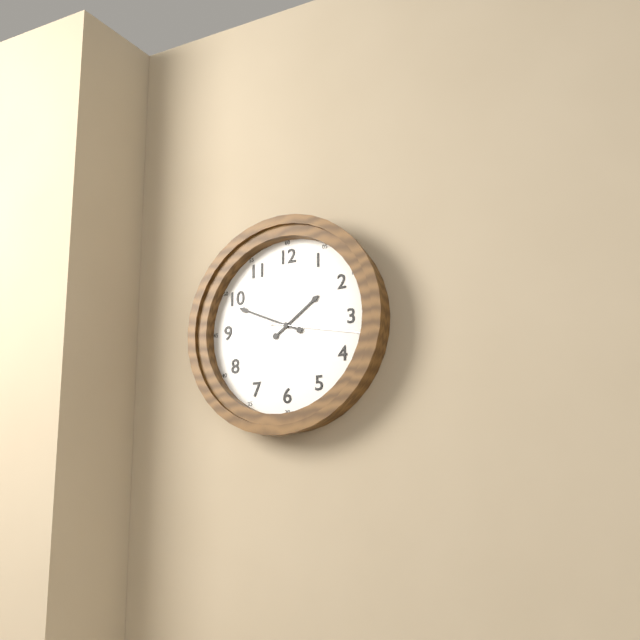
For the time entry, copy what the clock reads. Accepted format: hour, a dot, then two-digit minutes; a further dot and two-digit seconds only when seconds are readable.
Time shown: 1.49.17
